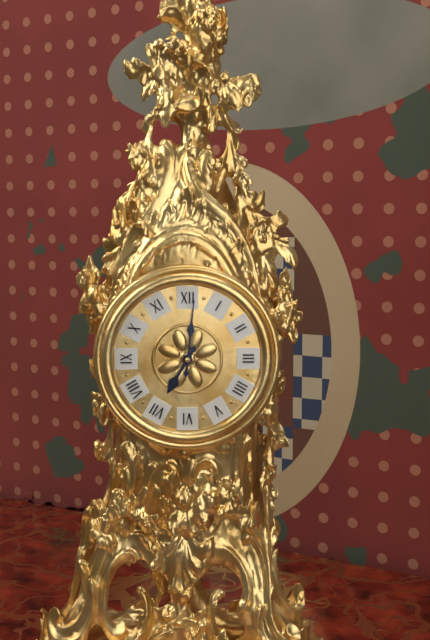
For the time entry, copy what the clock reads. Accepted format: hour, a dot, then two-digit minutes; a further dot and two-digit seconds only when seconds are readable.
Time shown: 7.01
